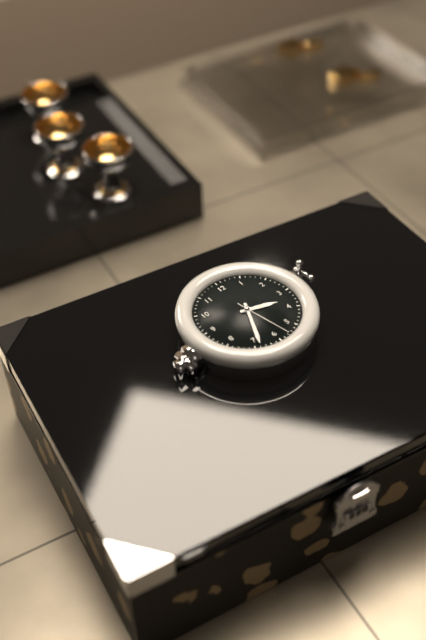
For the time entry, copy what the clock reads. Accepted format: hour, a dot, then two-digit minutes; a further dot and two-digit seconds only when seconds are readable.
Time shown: 3.34.28
